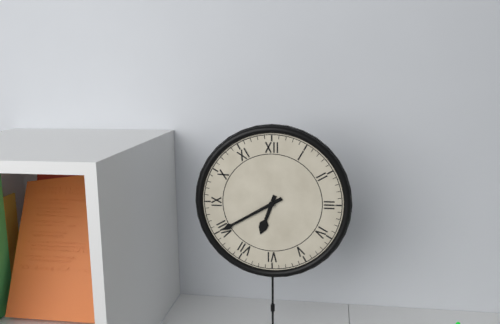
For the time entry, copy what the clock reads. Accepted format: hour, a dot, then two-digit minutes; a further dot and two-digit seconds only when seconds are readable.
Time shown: 6.40
